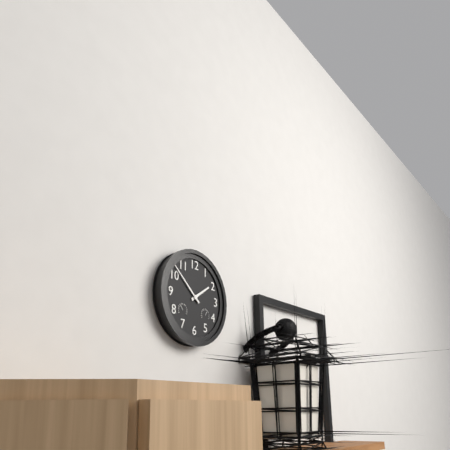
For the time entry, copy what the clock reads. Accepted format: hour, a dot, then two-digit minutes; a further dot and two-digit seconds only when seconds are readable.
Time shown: 1.52
